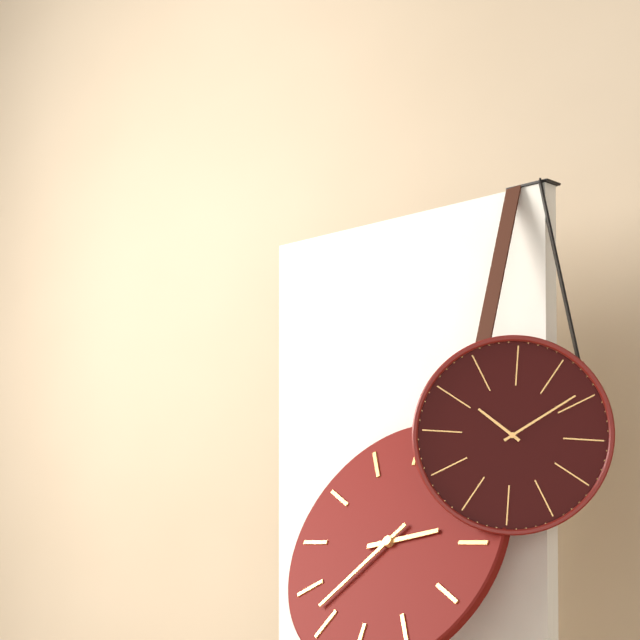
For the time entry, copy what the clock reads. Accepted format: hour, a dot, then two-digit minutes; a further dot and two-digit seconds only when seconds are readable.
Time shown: 2.37
